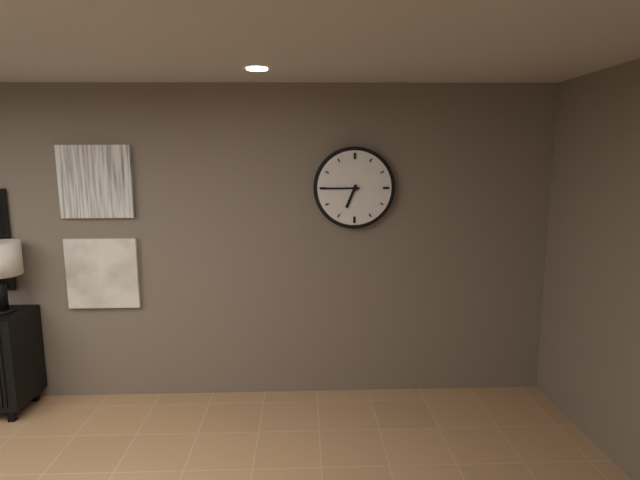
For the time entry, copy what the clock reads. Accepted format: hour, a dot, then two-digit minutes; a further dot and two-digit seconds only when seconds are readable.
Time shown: 6.45
